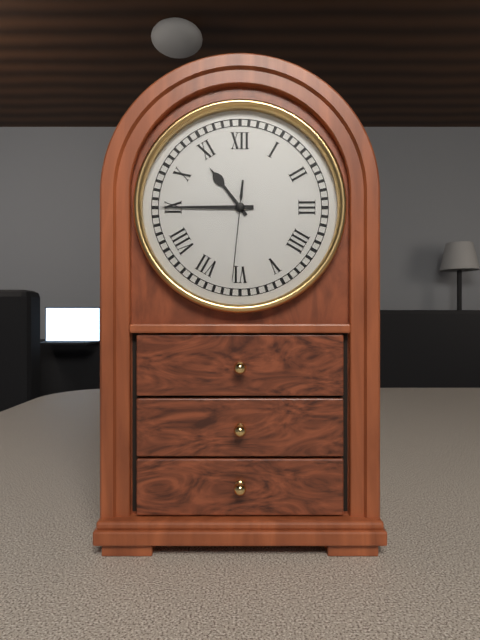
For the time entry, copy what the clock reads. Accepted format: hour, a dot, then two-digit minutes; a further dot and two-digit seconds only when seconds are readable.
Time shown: 10.45.31
